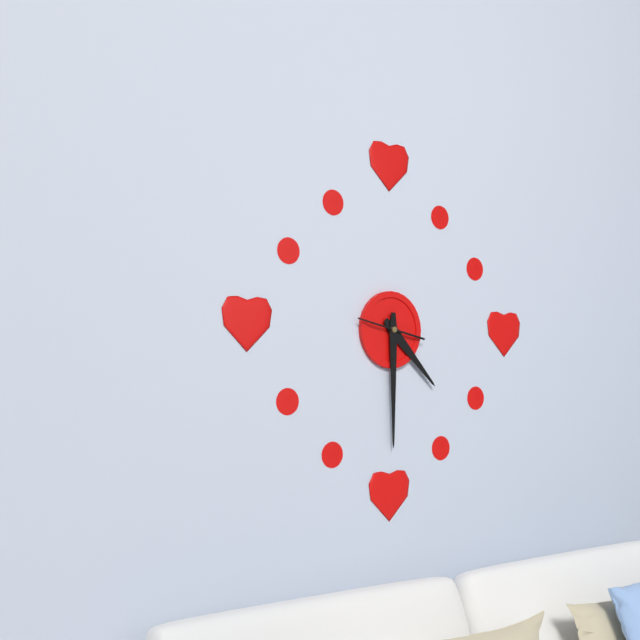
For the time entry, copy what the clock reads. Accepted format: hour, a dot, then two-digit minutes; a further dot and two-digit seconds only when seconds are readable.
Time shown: 4.30
